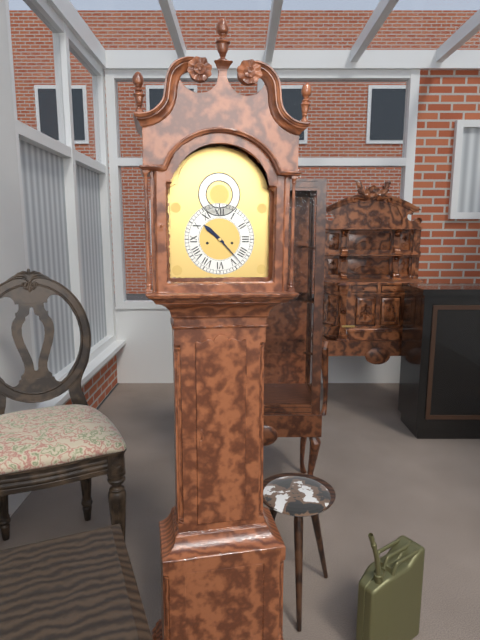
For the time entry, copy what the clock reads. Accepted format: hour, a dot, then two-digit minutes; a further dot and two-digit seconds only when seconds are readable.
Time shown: 10.23
